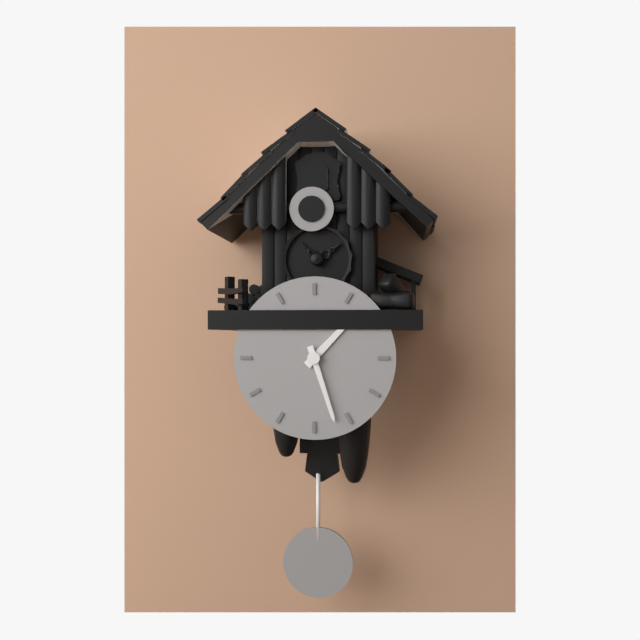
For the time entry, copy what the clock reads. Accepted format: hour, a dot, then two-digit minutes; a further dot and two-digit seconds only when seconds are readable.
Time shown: 1.27
